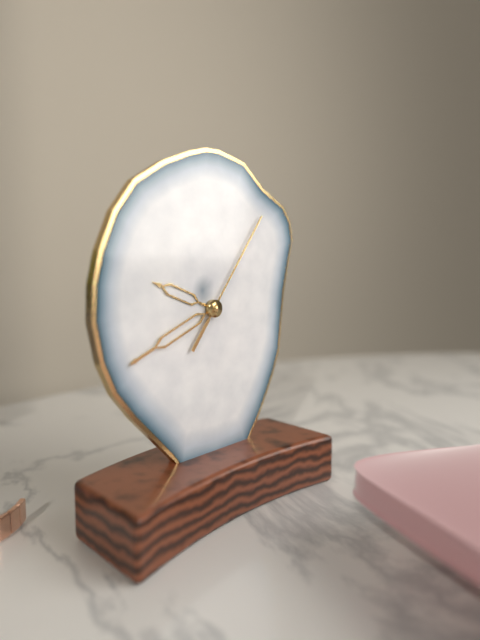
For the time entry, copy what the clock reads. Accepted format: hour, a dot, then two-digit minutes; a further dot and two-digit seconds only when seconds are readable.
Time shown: 9.41.06
